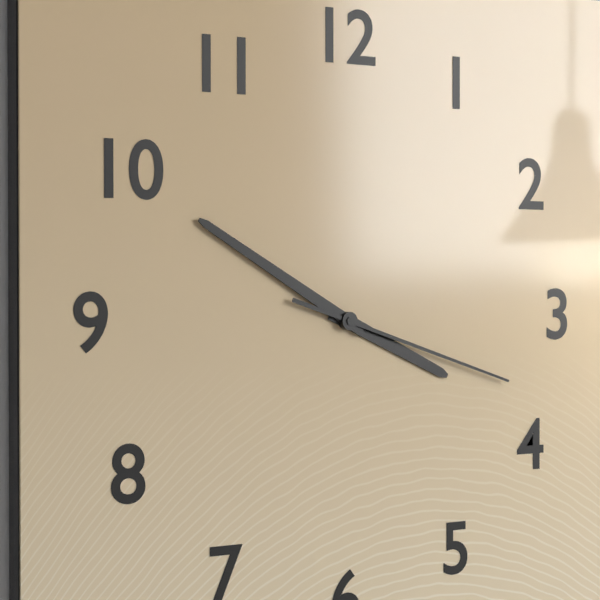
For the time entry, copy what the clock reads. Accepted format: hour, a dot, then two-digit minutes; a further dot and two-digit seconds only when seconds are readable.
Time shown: 3.50.18
